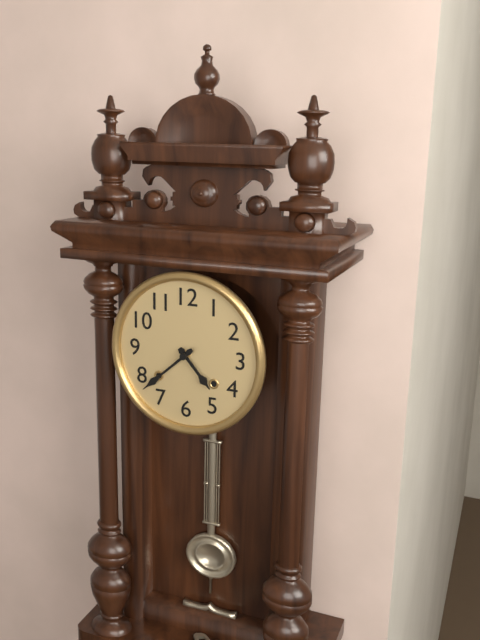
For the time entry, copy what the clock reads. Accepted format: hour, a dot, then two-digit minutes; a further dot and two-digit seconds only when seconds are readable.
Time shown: 4.38
